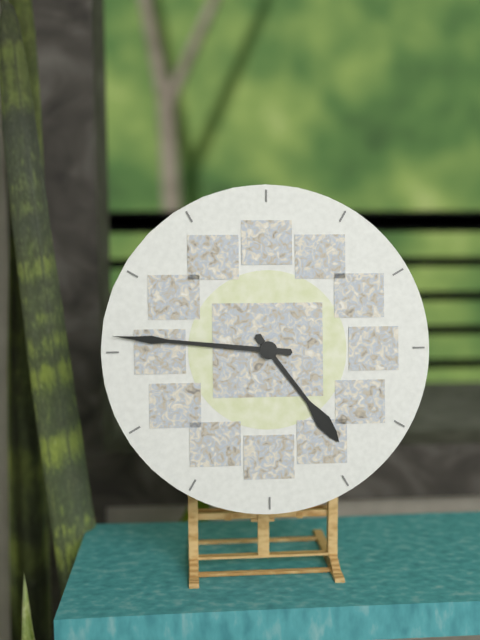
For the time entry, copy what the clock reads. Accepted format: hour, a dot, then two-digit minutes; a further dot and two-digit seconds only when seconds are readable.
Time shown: 4.46
